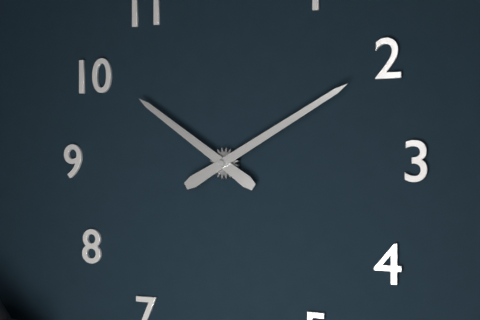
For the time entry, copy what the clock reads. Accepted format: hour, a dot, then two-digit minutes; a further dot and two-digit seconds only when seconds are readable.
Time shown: 10.10
